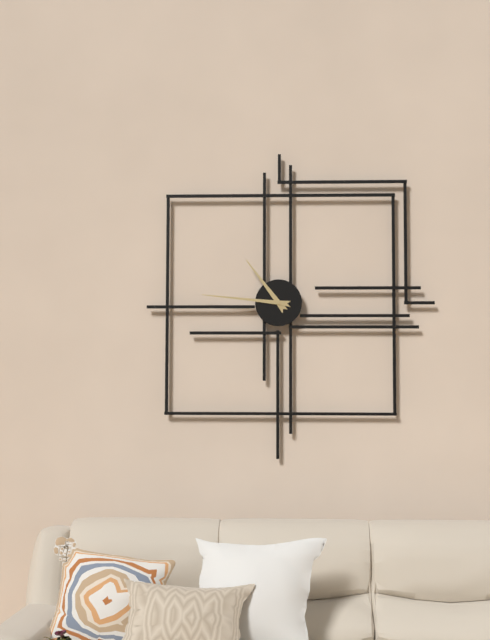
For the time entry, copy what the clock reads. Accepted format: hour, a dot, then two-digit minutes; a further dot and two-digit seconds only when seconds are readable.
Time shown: 10.46
